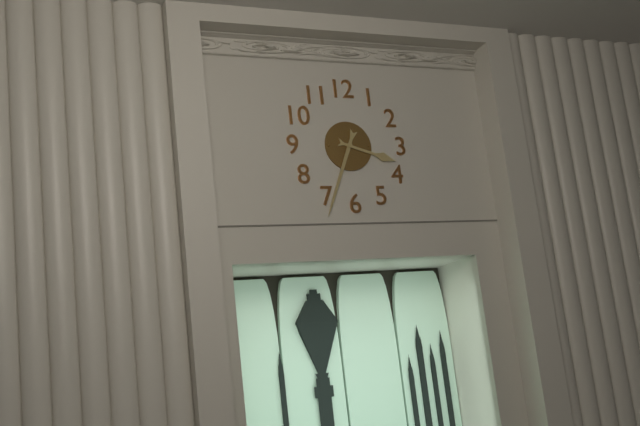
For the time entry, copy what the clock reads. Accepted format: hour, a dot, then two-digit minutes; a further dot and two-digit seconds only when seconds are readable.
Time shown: 3.34
